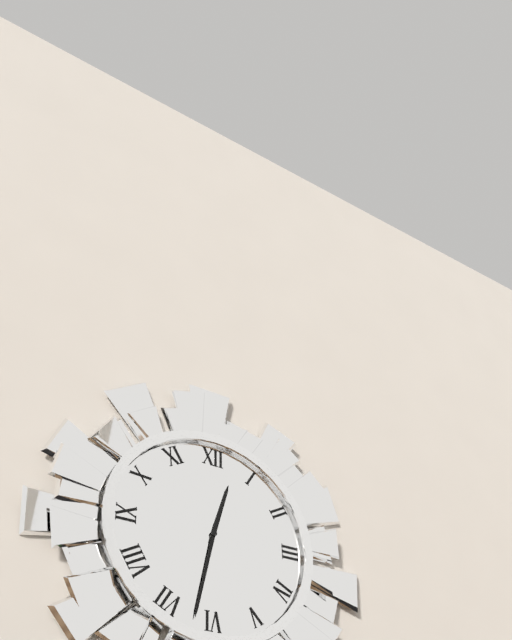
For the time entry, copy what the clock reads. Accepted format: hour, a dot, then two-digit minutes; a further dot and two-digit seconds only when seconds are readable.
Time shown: 12.32
